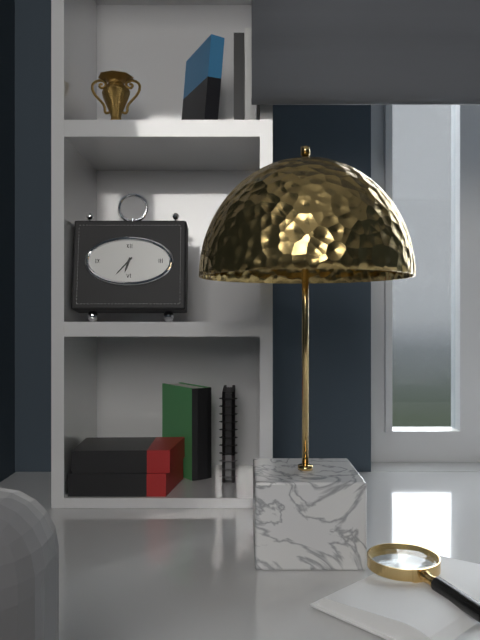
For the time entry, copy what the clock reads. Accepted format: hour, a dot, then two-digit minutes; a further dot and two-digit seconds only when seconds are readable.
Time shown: 6.37
